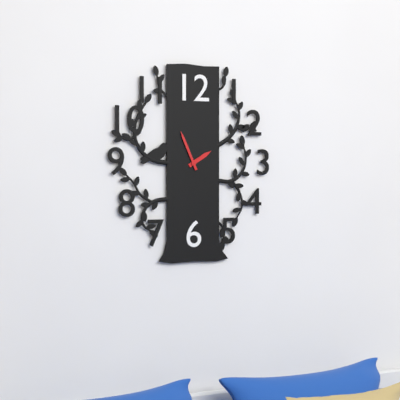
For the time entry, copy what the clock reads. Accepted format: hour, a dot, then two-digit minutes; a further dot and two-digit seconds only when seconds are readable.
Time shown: 1.56
